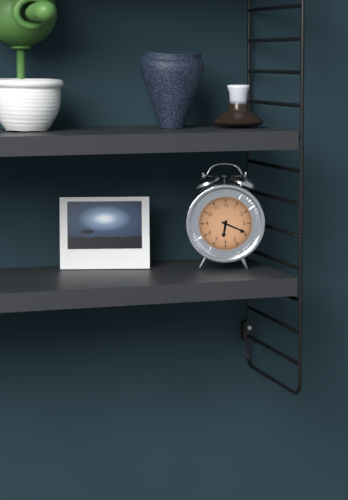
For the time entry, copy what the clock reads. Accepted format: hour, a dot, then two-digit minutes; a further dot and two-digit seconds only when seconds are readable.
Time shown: 6.19
